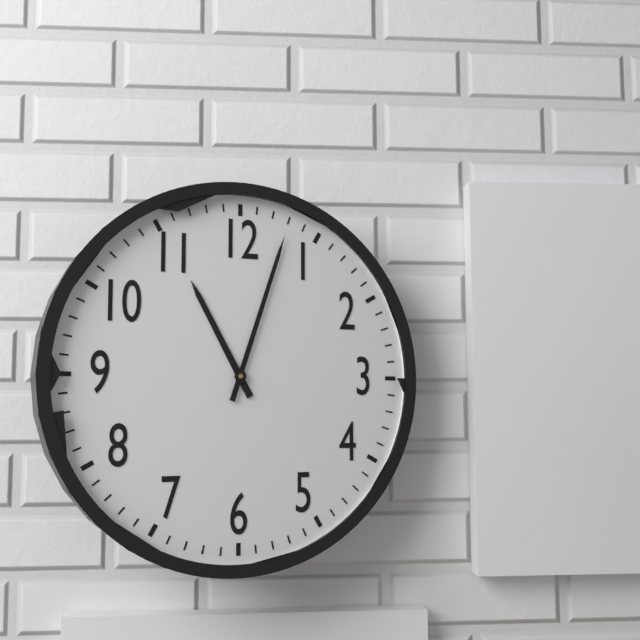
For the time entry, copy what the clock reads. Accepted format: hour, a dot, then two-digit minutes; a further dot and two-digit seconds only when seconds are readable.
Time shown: 11.03
